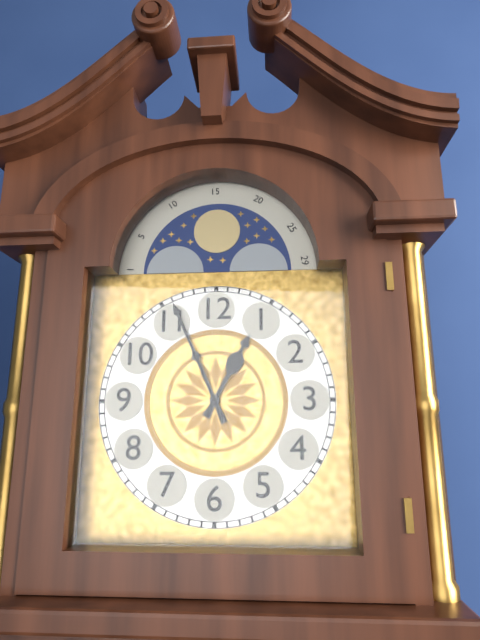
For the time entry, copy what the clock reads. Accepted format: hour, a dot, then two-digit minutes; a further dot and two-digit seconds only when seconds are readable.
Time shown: 12.56
